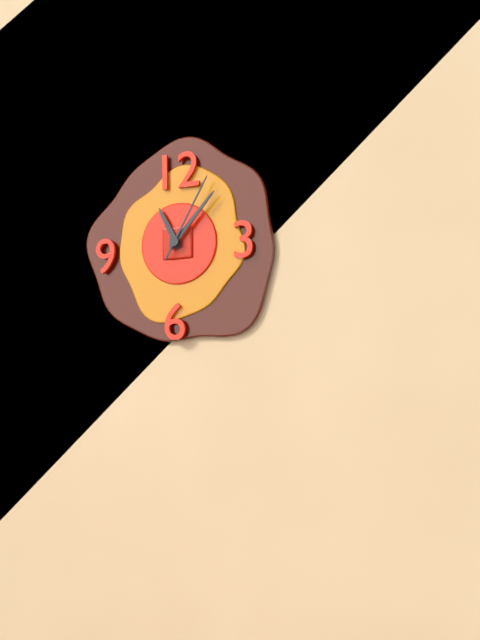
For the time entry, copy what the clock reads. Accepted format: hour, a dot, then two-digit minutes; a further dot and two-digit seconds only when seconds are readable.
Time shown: 11.07.05
